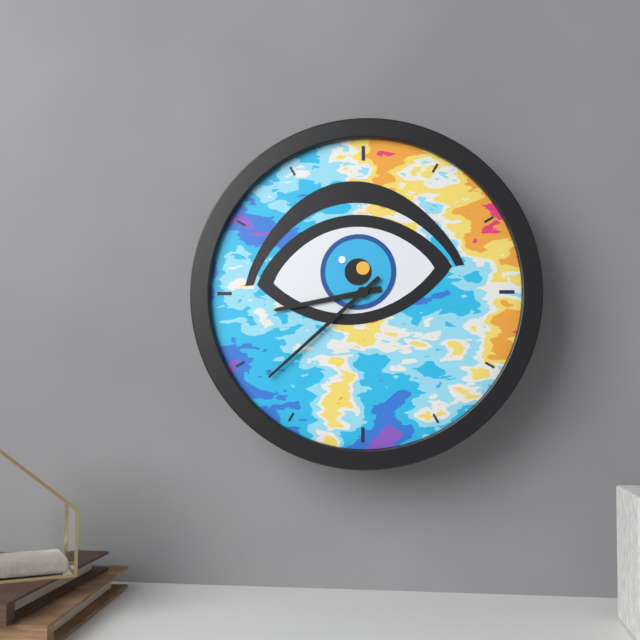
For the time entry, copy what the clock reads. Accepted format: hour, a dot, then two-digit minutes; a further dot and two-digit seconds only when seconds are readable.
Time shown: 8.38
